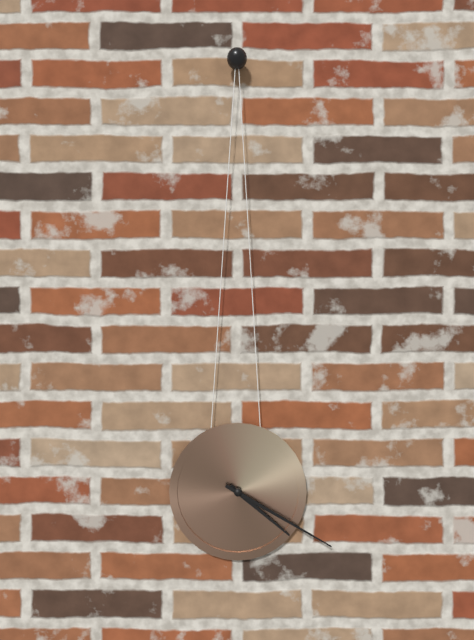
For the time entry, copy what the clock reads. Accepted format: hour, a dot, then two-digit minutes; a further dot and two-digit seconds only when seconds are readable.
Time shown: 4.20
